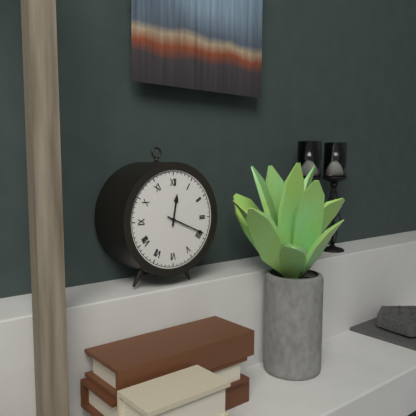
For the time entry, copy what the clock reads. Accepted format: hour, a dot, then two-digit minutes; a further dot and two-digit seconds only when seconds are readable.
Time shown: 12.19
